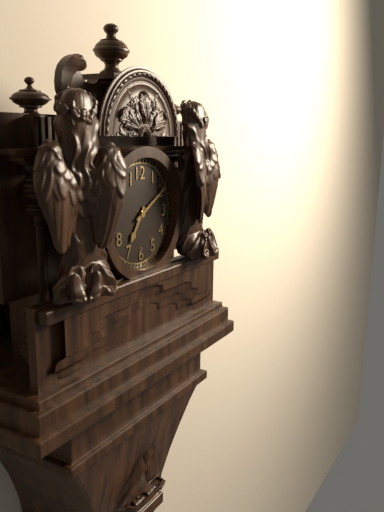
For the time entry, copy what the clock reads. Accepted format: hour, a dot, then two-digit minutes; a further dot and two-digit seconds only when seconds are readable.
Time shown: 7.10
